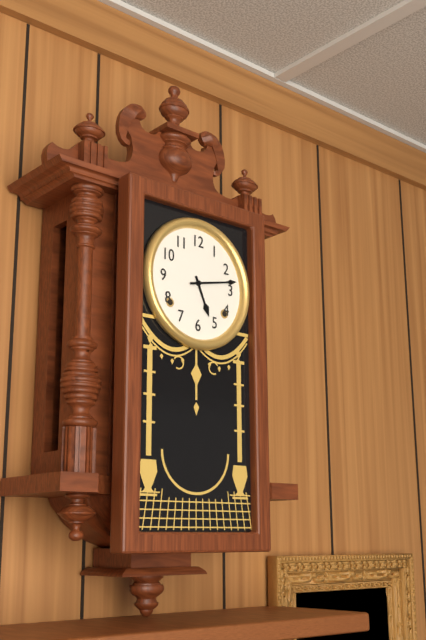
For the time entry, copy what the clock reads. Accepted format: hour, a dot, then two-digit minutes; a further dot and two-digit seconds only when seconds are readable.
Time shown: 5.13
